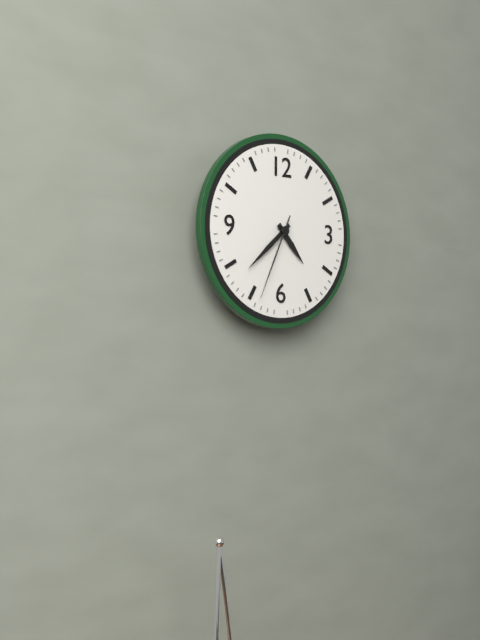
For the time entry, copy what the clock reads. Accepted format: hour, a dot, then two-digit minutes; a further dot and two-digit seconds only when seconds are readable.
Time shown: 4.38.34
